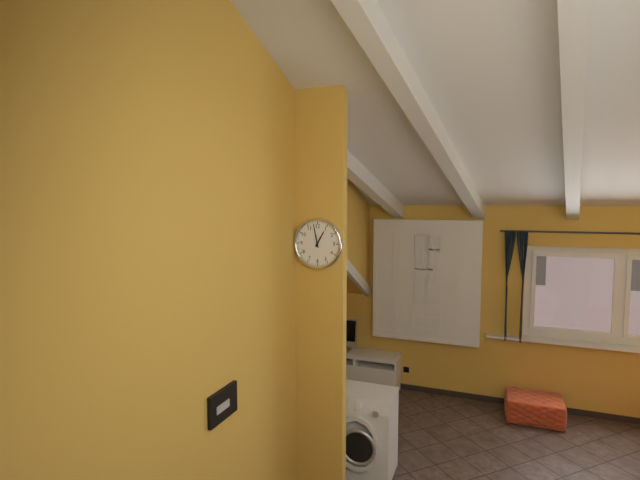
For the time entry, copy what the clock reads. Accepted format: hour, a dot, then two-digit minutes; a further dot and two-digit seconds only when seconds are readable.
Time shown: 12.58
